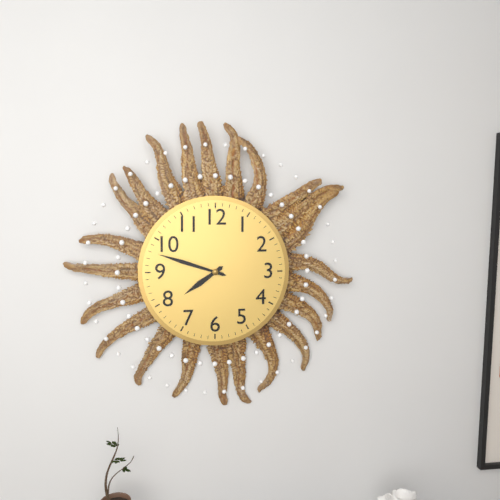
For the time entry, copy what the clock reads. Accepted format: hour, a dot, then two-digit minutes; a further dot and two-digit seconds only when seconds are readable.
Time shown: 7.48
